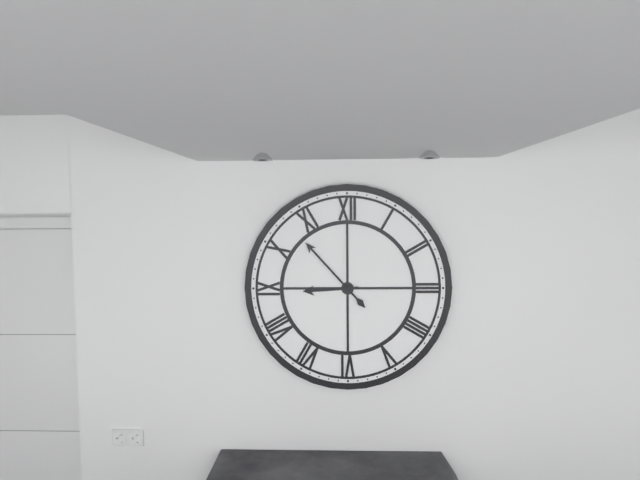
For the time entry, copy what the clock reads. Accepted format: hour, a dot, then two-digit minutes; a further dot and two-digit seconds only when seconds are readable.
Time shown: 8.53
